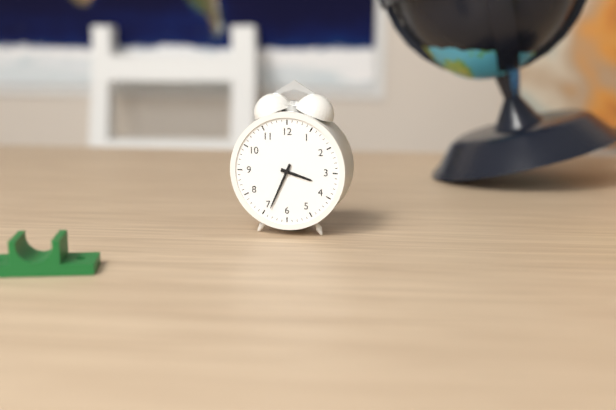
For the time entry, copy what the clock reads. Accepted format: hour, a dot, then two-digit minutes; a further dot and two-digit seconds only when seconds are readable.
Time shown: 3.34
